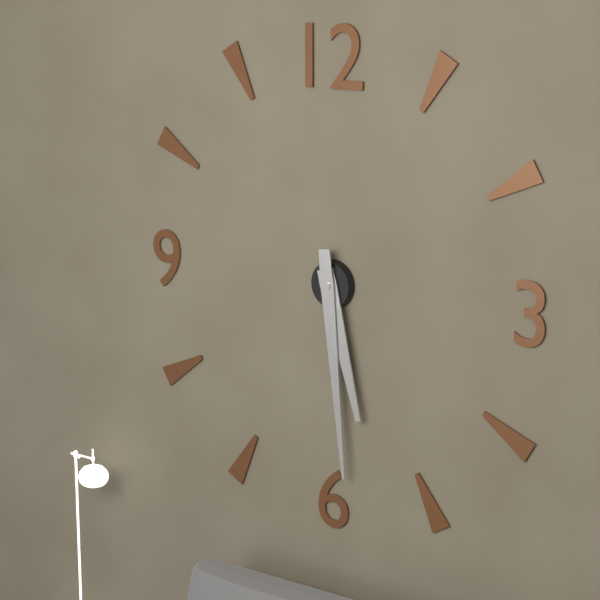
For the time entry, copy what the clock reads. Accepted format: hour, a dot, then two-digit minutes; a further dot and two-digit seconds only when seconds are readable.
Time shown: 5.29
